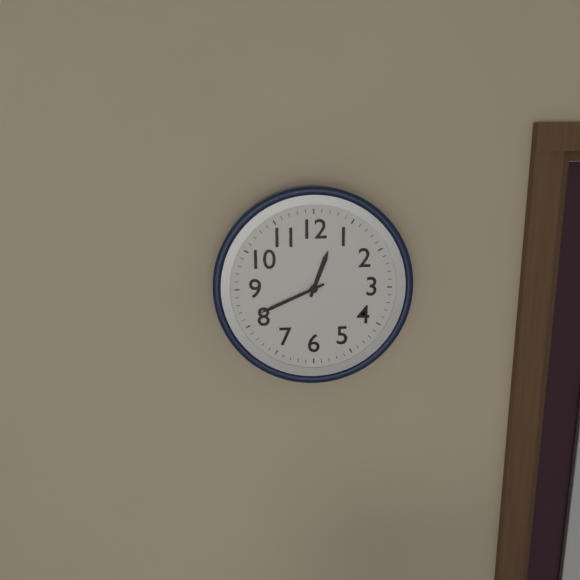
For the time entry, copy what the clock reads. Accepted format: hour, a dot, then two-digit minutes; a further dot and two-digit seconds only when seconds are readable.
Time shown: 12.41
